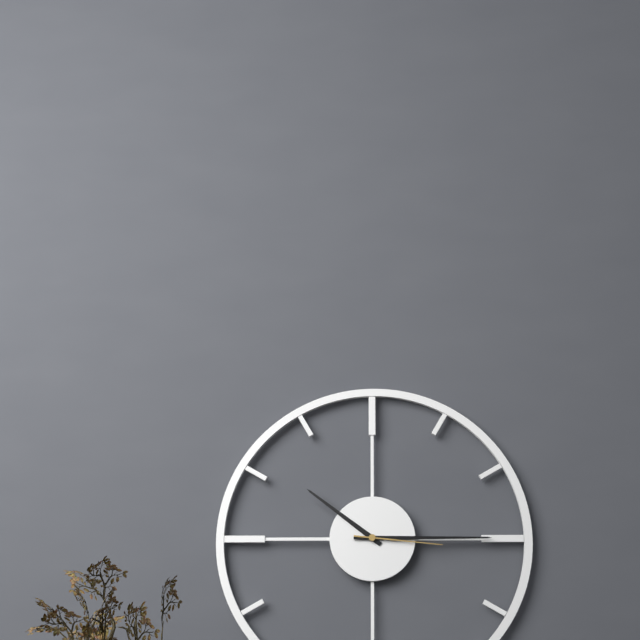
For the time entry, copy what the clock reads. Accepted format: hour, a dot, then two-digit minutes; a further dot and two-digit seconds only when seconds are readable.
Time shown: 10.15.16
